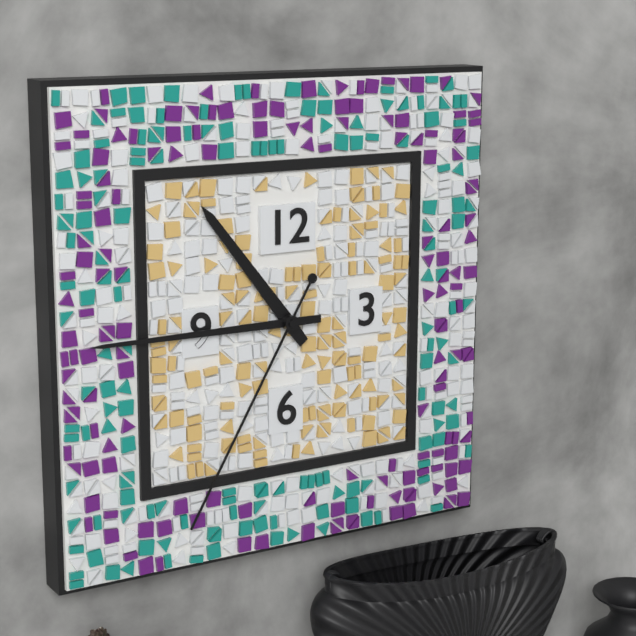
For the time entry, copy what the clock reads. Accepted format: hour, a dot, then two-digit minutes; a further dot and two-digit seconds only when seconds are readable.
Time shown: 10.45.35
